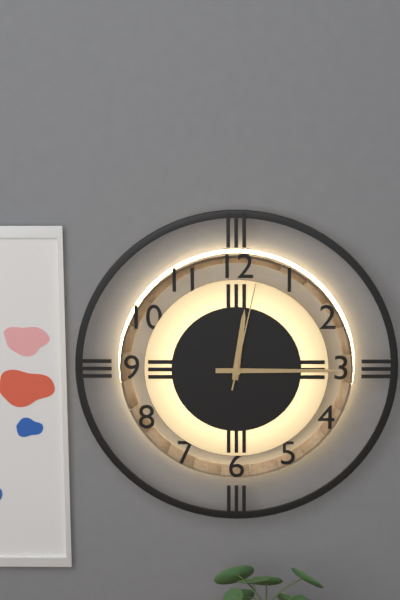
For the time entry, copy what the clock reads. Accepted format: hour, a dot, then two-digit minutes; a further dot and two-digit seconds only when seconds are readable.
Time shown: 12.15.02
